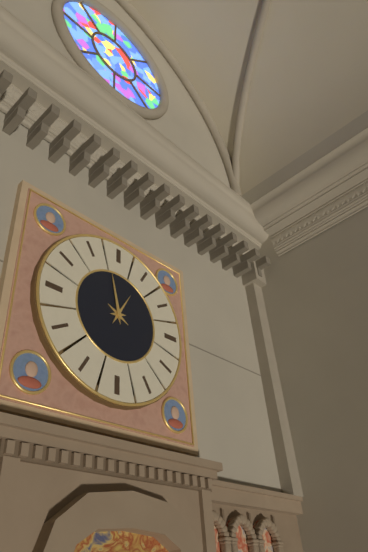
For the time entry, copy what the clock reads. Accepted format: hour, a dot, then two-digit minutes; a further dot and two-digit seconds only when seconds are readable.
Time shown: 12.58
